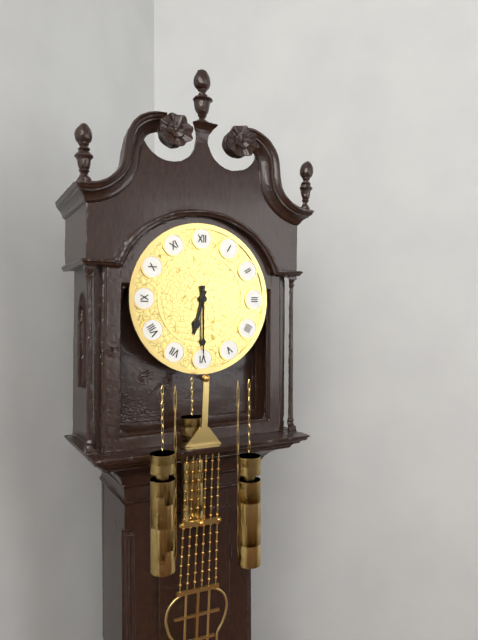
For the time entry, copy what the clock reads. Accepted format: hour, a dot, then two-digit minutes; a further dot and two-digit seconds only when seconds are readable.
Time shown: 6.30
